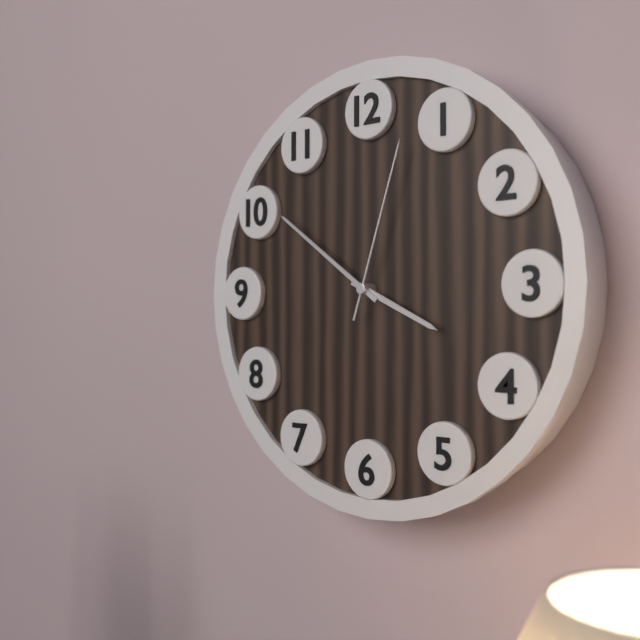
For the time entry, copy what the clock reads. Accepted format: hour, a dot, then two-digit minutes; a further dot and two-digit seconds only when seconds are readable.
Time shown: 3.51.03
